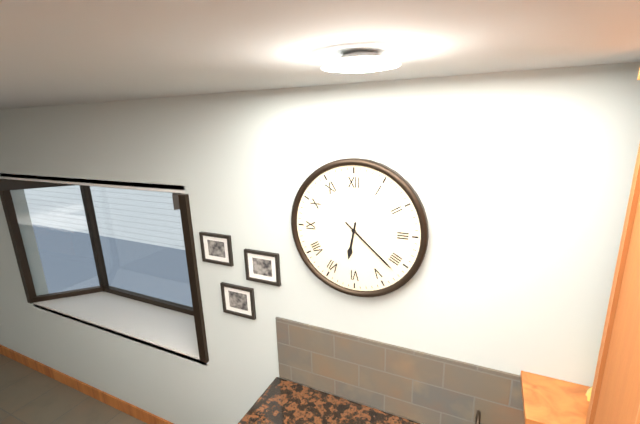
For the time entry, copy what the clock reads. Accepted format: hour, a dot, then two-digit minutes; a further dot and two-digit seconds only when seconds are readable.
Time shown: 6.22
